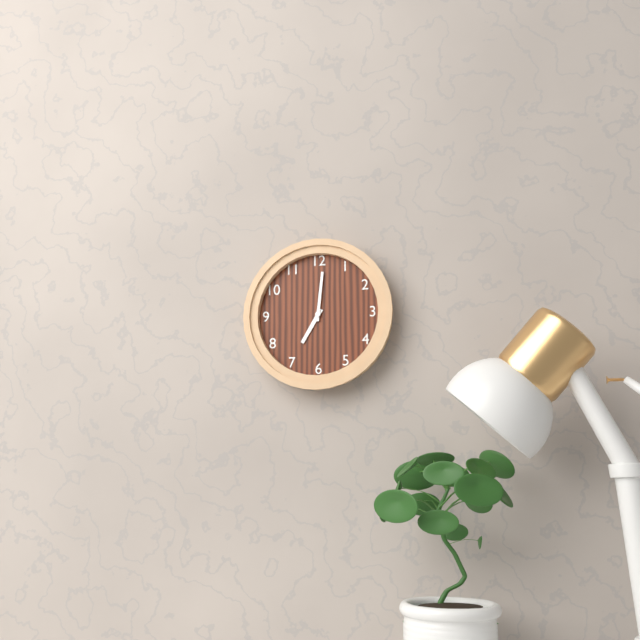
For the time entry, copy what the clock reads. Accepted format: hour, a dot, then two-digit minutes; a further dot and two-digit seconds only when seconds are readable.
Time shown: 7.01
